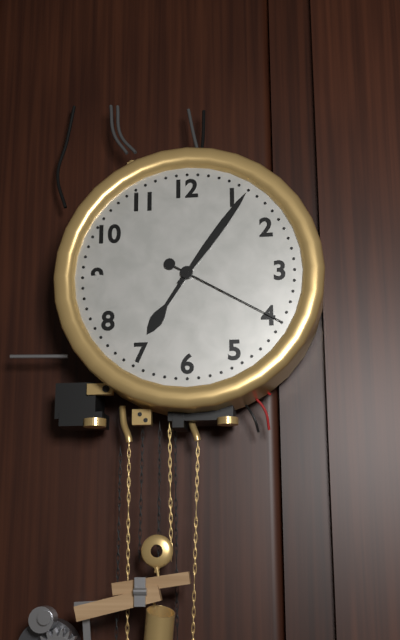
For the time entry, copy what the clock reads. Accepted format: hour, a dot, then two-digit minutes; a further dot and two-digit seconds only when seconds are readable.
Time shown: 7.06.20
